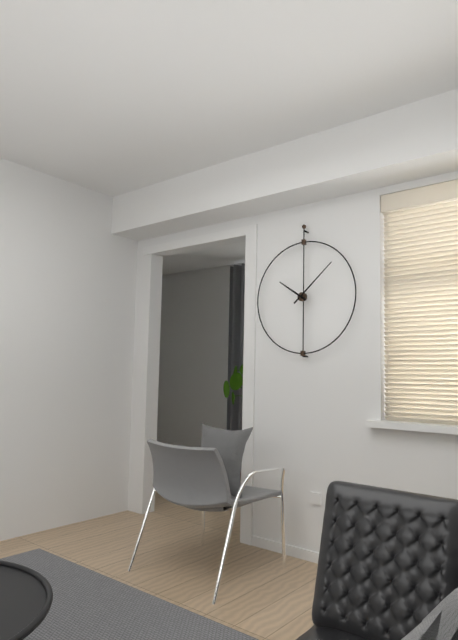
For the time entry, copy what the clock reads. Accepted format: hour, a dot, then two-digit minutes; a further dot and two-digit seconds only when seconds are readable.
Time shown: 10.08
